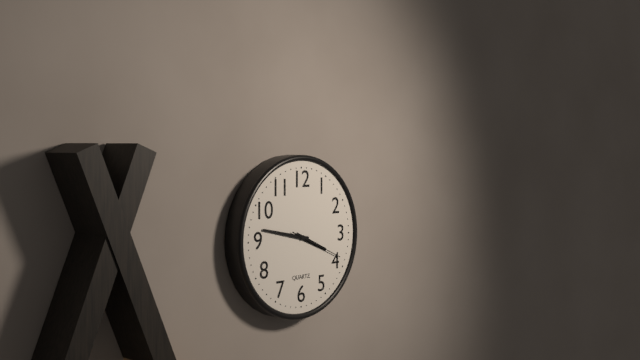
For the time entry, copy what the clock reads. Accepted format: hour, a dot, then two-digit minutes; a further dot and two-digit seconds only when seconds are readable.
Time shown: 3.47.19
